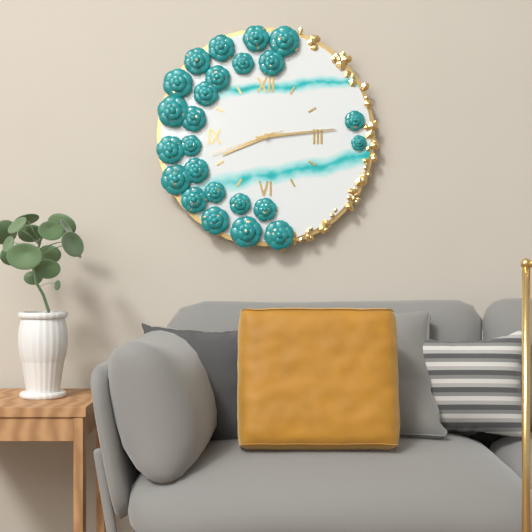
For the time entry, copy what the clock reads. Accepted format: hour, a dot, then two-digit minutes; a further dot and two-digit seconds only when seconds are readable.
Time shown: 8.14.42
